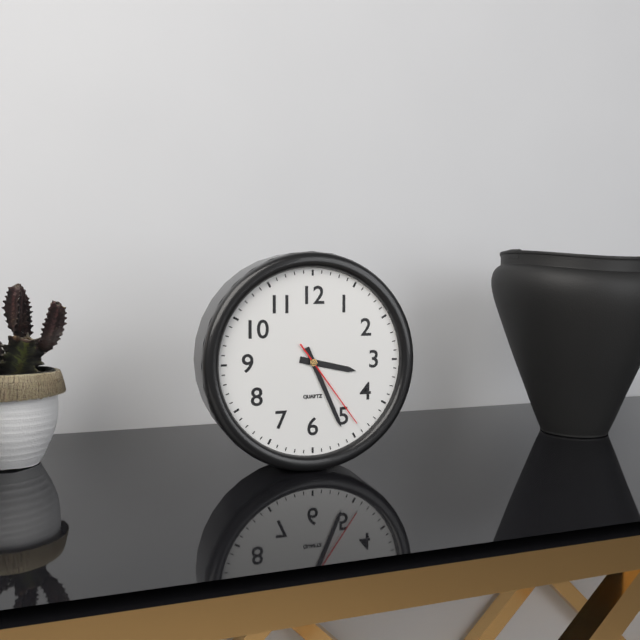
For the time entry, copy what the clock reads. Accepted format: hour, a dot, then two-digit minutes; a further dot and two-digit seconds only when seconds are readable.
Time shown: 3.26.24
